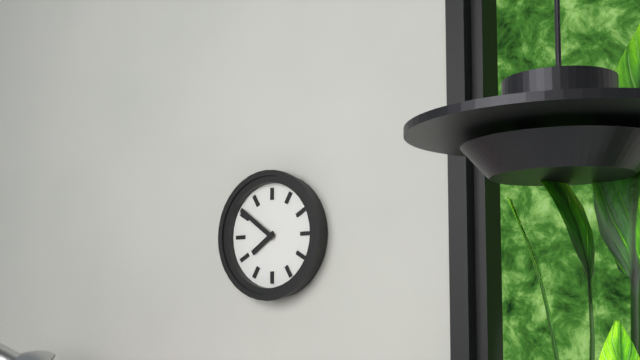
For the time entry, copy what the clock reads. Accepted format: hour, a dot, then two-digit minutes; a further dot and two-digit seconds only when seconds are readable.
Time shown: 7.51
